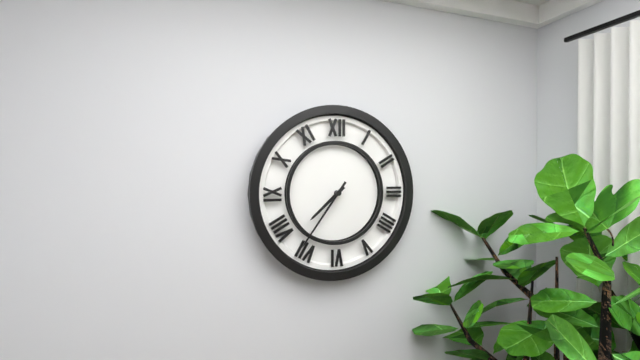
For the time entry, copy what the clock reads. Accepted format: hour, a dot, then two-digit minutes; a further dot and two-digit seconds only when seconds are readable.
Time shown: 7.36
